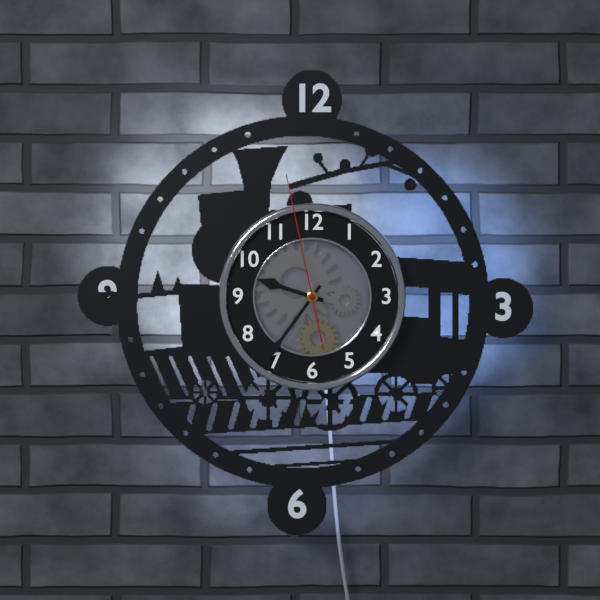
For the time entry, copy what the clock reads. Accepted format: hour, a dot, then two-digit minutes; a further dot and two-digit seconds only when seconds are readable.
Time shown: 9.36.58
